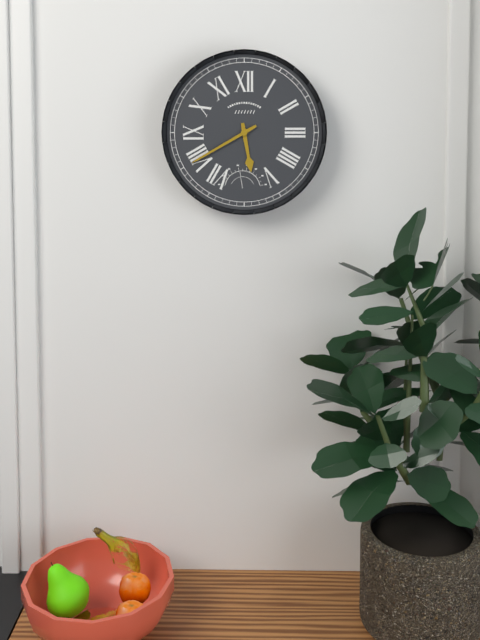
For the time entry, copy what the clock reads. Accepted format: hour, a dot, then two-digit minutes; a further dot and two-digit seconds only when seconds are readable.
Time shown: 5.40
